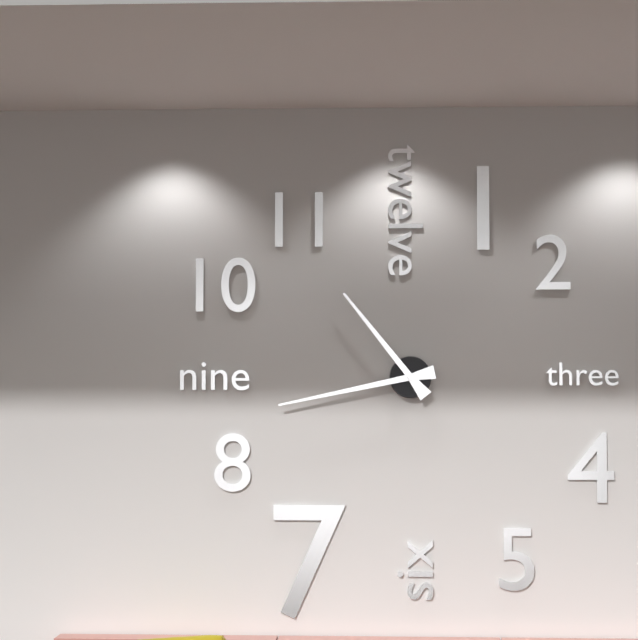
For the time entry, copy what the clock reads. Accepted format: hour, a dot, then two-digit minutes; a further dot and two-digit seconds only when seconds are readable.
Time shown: 10.43
